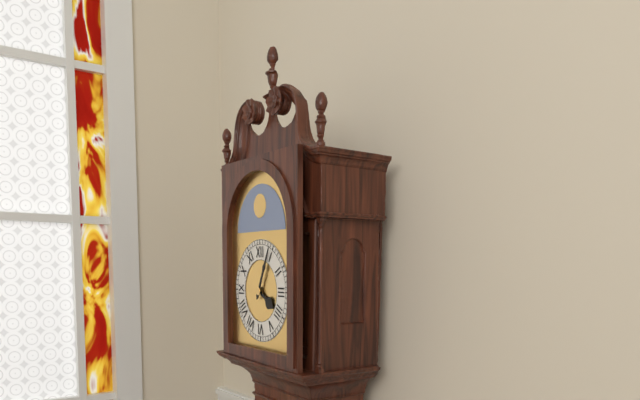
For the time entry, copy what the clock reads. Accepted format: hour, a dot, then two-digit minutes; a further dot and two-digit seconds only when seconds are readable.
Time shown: 4.04
